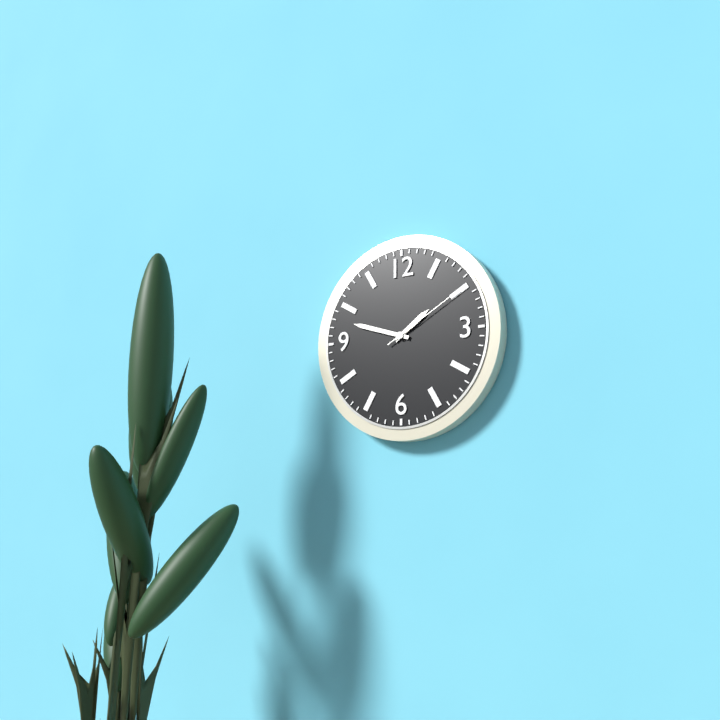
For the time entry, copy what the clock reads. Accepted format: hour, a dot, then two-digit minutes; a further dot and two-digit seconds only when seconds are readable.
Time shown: 1.48.10
